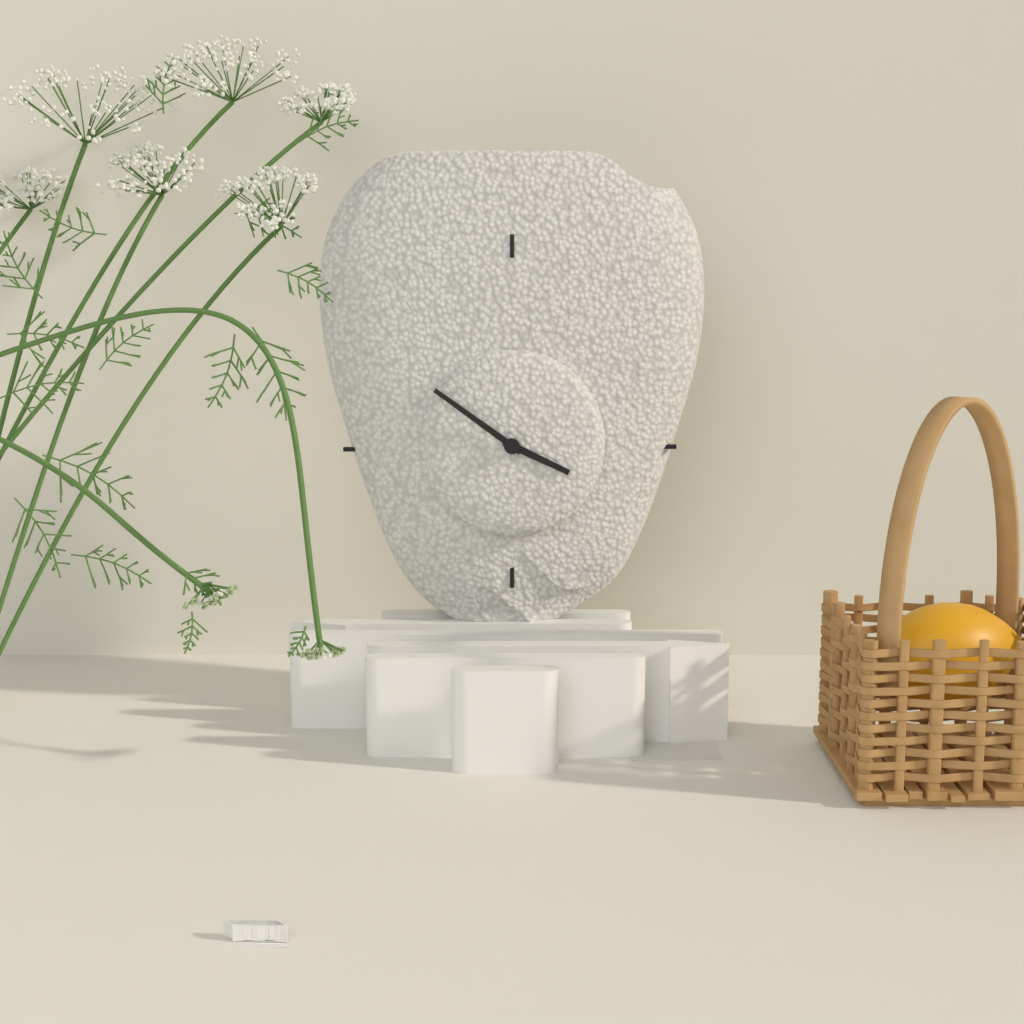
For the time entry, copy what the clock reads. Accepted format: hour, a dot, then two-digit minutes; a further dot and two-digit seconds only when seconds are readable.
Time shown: 3.51
